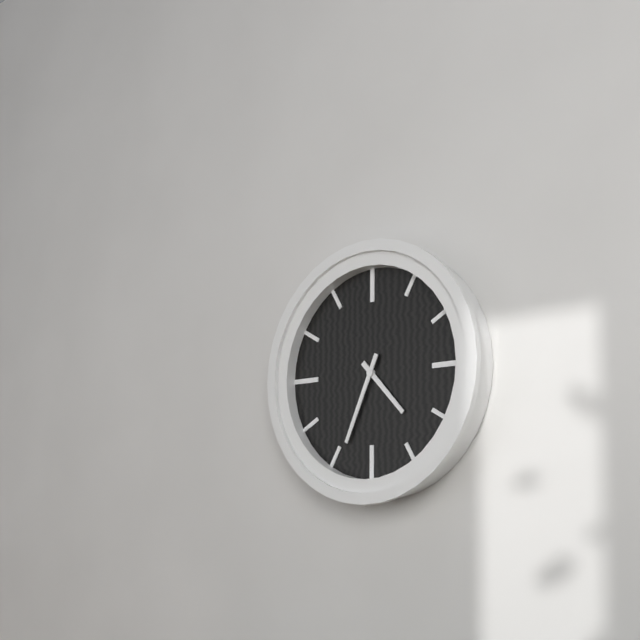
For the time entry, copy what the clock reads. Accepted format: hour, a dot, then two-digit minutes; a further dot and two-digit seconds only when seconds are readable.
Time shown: 4.34
